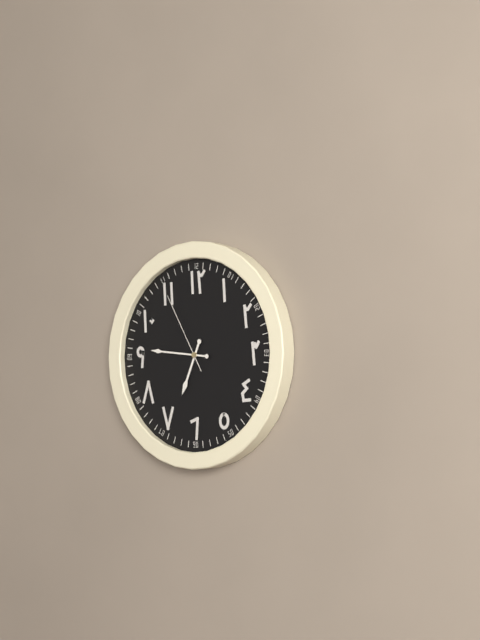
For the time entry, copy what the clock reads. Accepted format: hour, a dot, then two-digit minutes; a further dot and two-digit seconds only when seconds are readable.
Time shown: 6.46.55
